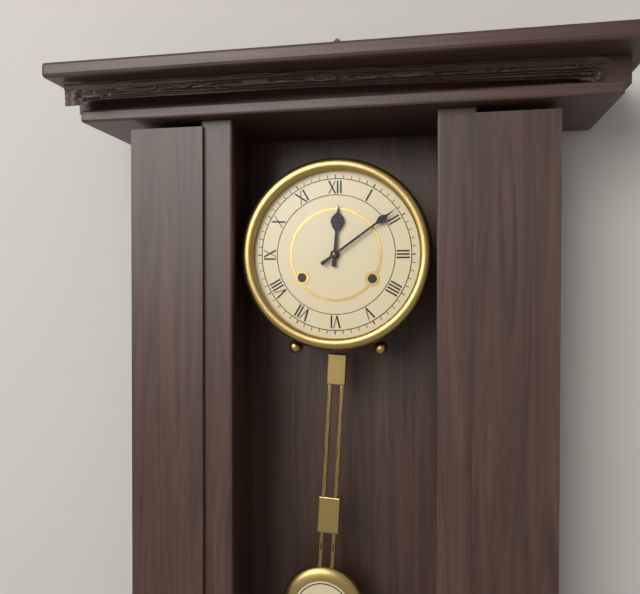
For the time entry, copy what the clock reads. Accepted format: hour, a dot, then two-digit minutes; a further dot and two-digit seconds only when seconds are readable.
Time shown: 12.09
